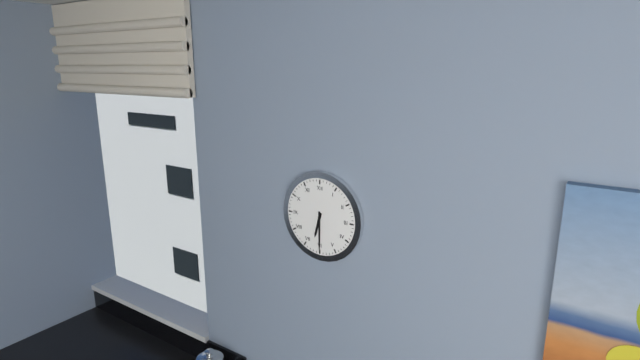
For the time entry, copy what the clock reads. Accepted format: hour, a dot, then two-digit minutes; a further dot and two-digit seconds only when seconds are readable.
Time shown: 6.30
